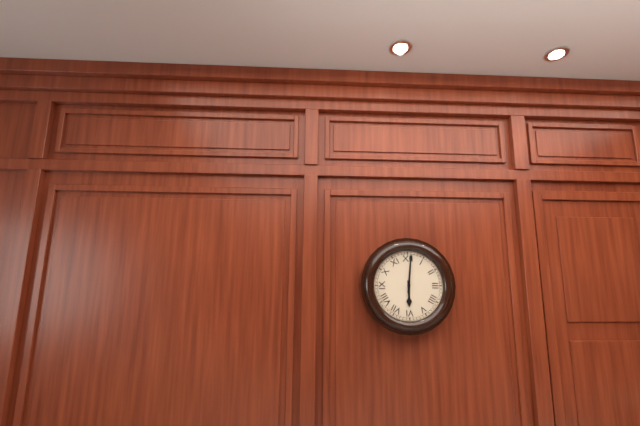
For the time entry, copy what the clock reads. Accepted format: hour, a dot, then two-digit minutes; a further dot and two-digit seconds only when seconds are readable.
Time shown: 6.01
